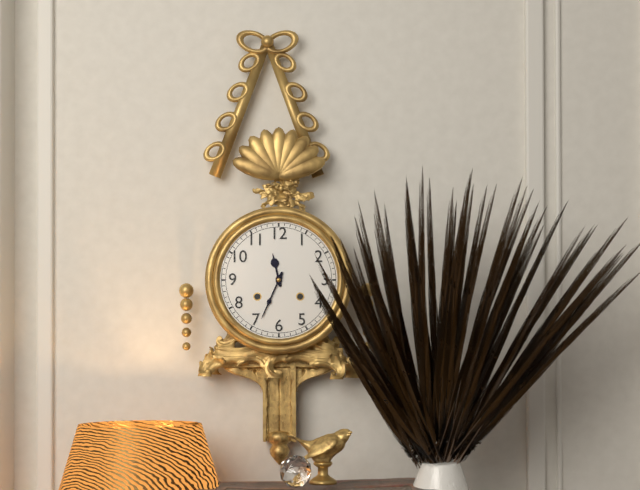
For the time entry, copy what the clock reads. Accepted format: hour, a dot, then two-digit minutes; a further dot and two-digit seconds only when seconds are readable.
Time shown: 11.34
